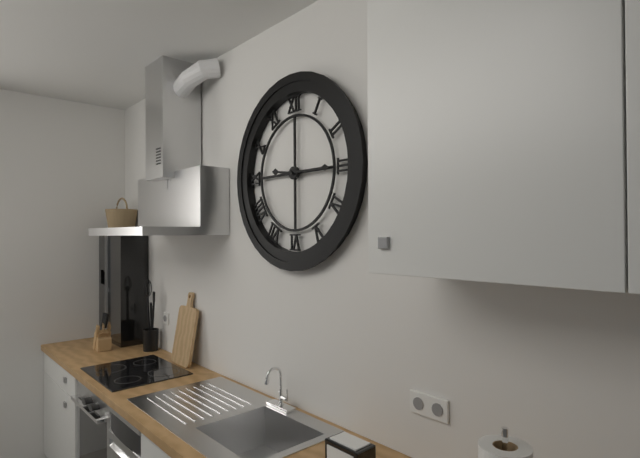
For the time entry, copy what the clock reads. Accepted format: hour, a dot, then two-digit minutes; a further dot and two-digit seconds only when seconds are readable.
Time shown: 9.15
